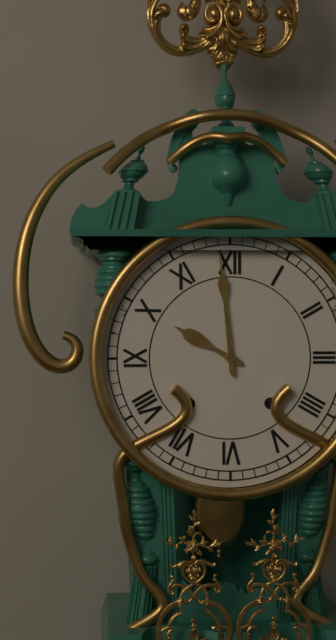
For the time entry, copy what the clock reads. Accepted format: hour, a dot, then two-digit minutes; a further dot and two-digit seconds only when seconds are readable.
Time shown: 9.59
